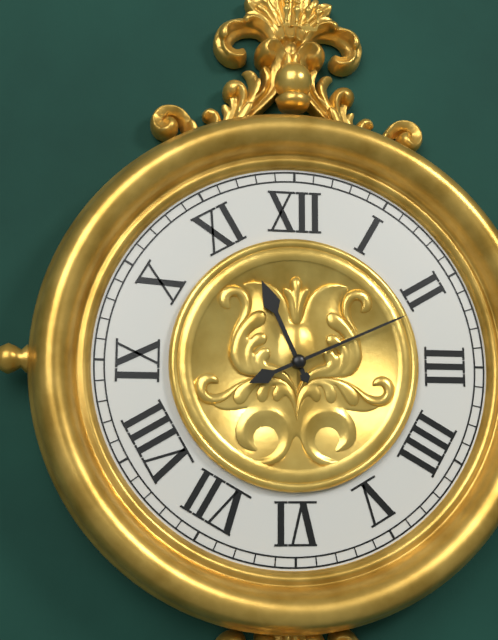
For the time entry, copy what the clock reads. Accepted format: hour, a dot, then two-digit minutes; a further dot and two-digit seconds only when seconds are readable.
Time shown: 11.11
